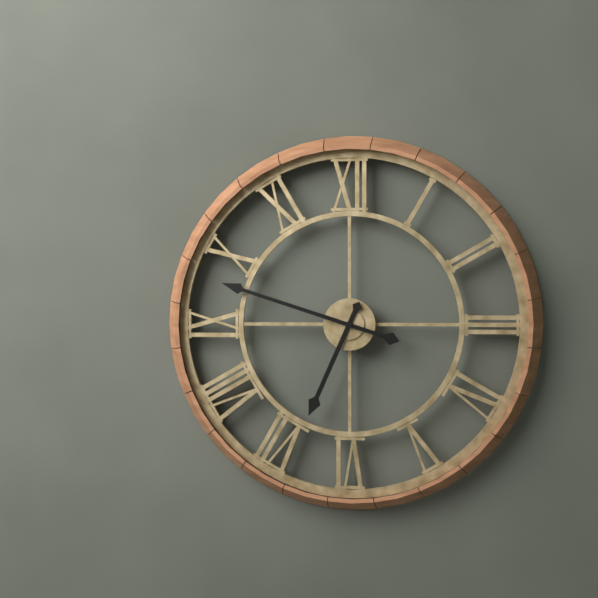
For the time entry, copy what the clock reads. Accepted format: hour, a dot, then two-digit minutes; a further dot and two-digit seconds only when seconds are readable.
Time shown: 6.48
